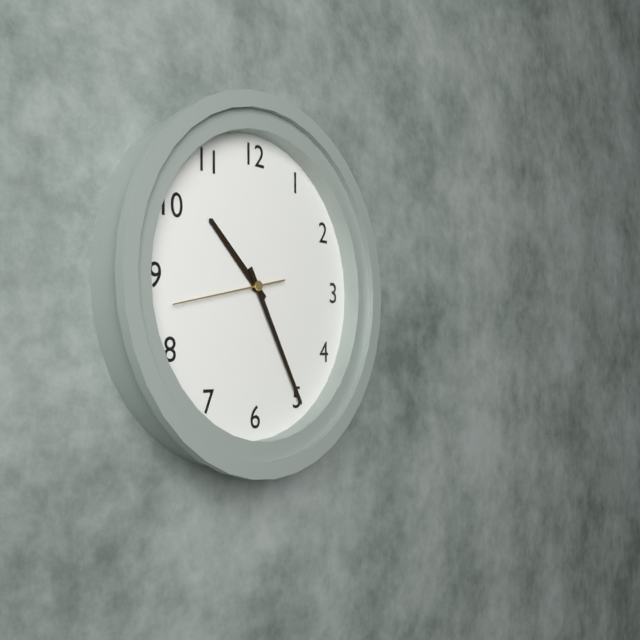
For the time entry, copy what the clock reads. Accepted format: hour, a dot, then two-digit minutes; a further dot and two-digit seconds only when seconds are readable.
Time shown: 10.25.43
